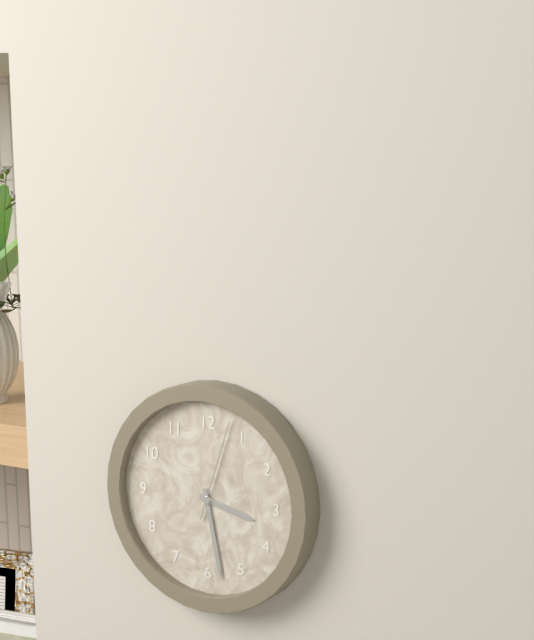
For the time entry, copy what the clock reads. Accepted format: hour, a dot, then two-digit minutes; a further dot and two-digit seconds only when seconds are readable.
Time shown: 3.28.03
